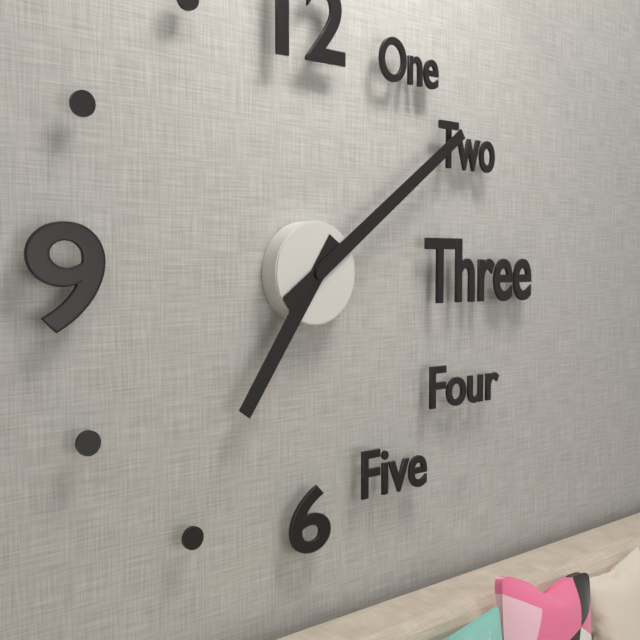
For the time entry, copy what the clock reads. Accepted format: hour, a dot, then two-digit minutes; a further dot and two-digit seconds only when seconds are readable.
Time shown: 7.09
